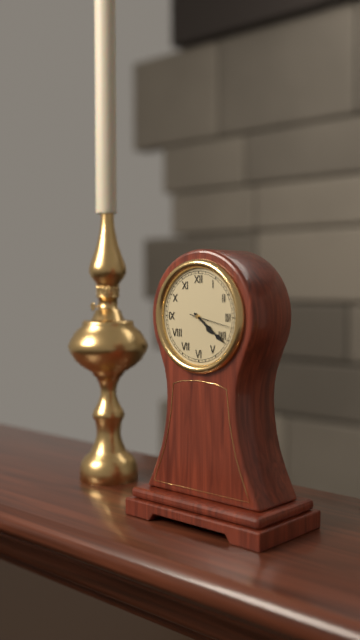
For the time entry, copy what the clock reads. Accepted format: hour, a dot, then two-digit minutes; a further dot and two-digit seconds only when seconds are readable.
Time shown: 4.21
